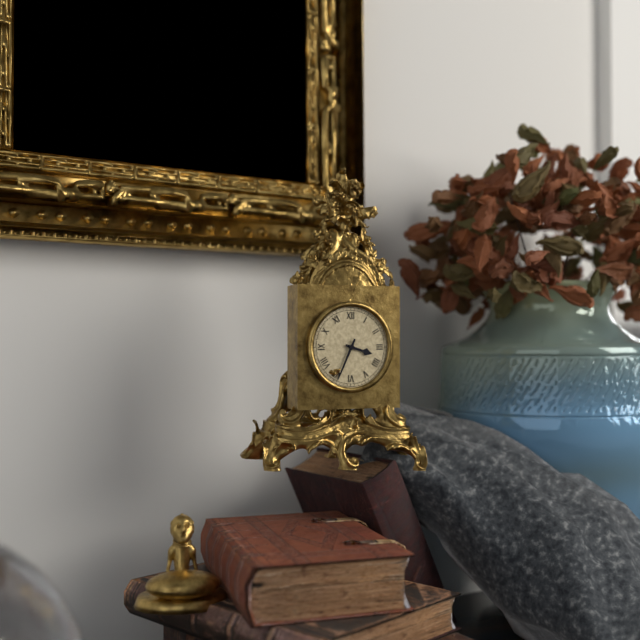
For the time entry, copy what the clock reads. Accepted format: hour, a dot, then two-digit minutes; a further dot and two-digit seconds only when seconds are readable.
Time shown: 3.34
